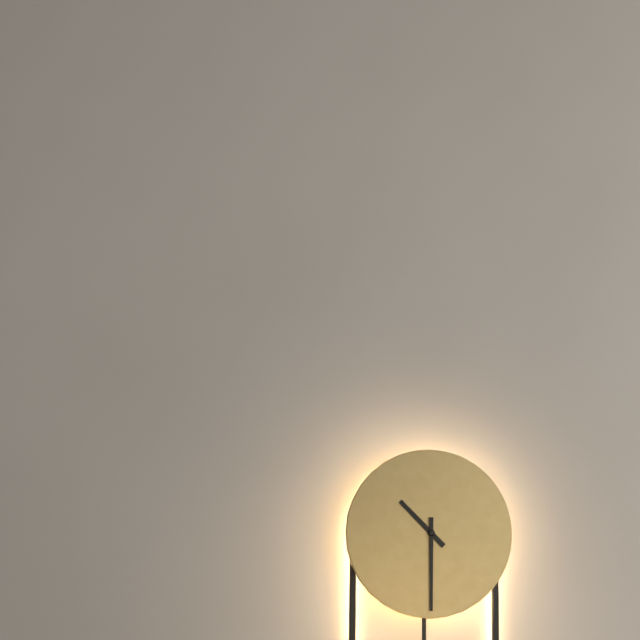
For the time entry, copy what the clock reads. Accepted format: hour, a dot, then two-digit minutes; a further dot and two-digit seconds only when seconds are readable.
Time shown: 10.30
